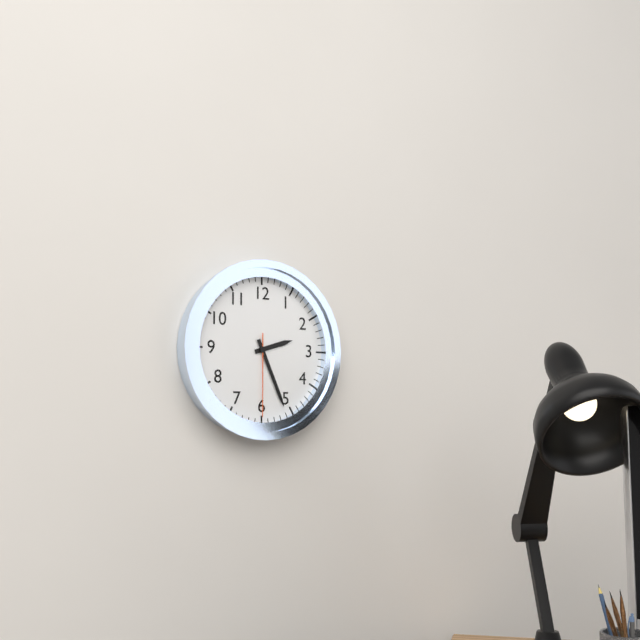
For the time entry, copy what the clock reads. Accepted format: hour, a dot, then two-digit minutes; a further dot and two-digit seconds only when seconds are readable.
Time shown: 2.26.30
